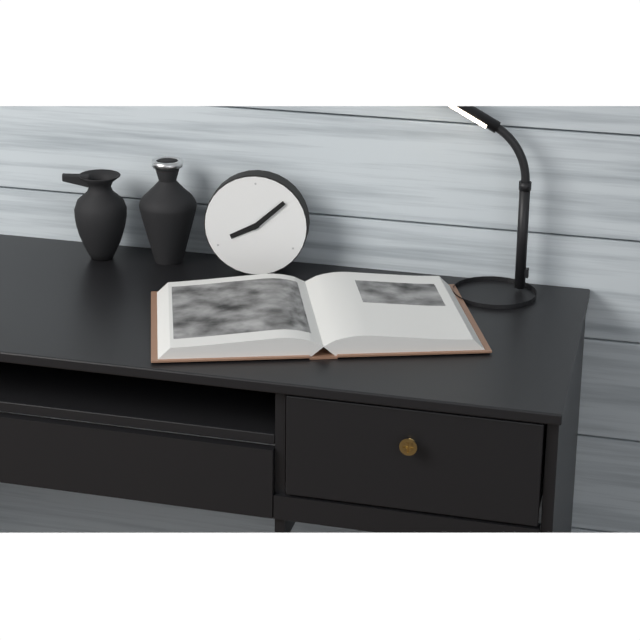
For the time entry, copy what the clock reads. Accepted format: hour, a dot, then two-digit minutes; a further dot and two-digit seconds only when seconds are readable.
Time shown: 8.08
